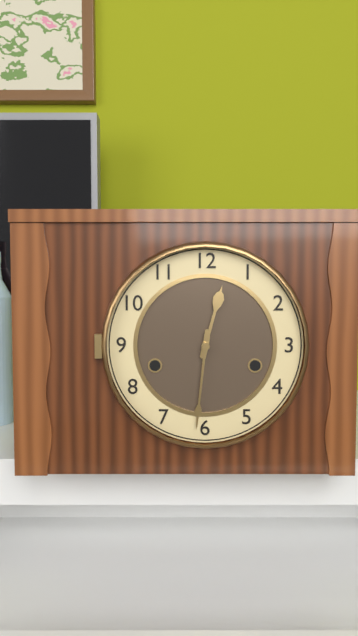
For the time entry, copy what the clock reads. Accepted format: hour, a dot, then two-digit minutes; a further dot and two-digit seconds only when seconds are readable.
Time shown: 12.31
